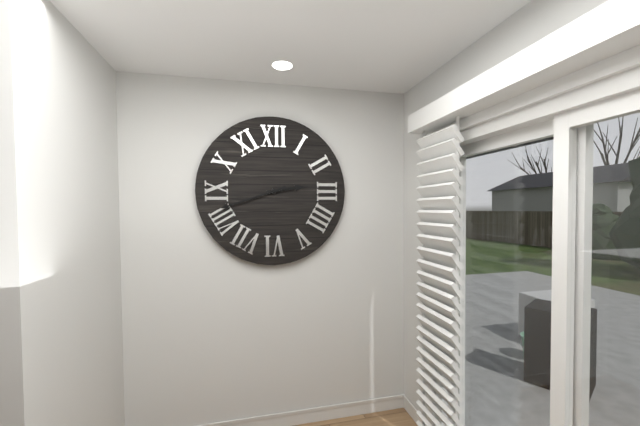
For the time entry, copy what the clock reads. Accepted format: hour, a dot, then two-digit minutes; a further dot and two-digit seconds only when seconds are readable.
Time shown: 2.42
